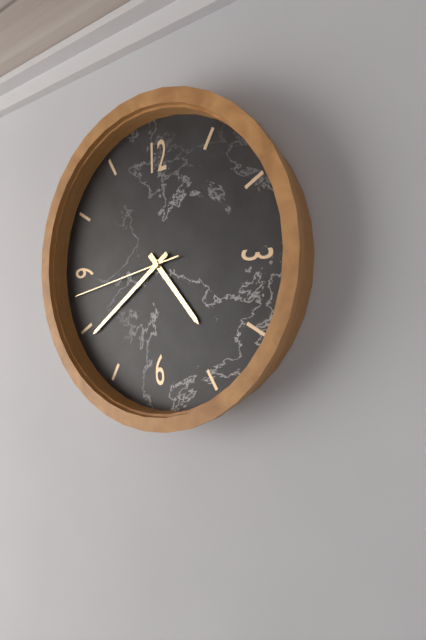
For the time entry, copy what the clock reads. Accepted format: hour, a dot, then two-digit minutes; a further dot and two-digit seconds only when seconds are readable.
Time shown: 4.39.43
